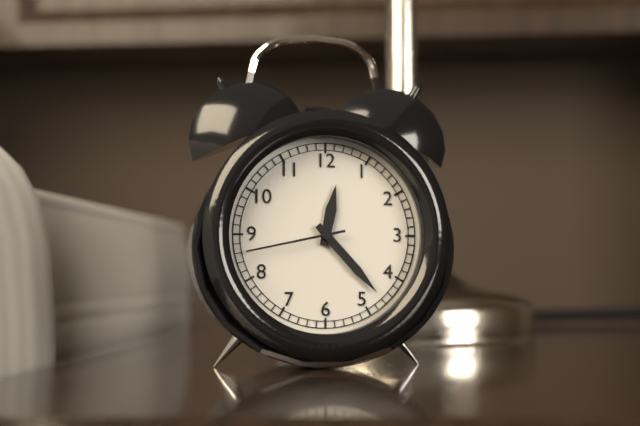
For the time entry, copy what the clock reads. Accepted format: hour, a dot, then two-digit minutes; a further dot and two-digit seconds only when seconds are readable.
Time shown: 12.23.43
